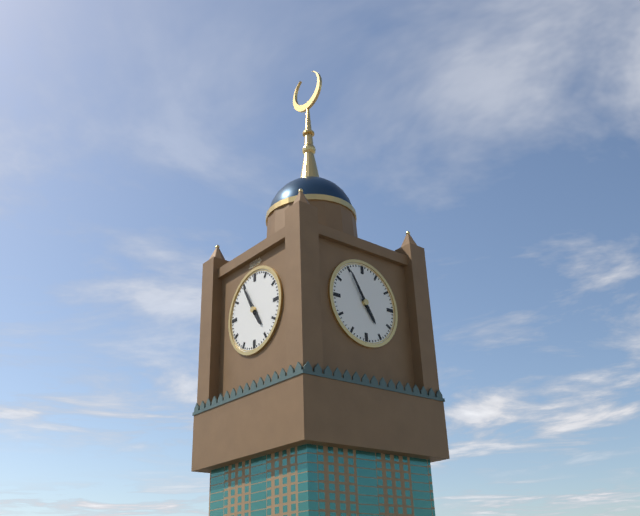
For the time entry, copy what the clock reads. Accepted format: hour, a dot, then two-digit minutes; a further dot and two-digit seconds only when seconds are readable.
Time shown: 4.55
